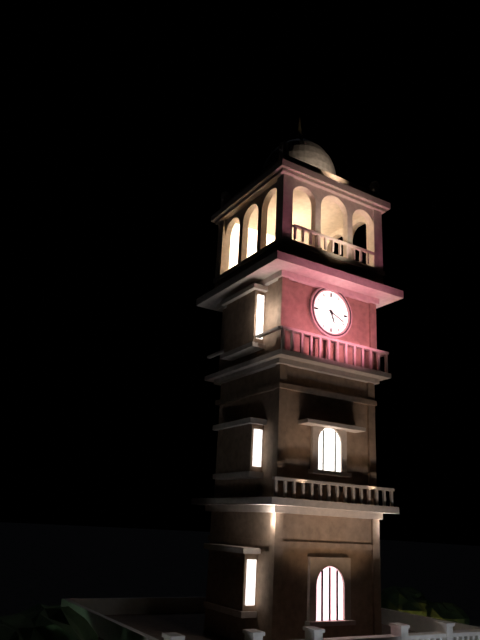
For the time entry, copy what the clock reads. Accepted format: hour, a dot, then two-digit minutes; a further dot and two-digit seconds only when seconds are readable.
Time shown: 5.19
